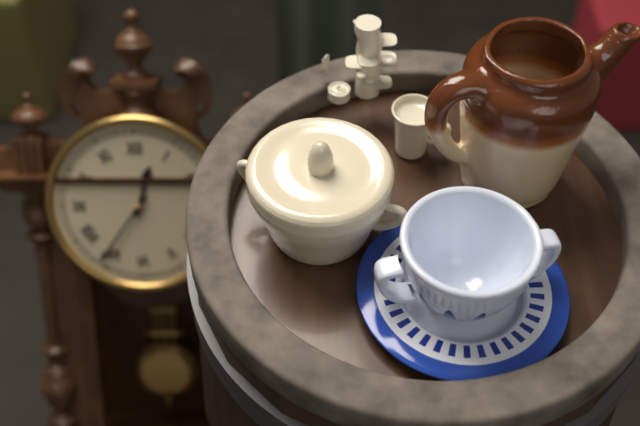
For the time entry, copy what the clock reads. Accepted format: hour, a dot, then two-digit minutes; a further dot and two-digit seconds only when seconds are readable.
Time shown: 12.36
